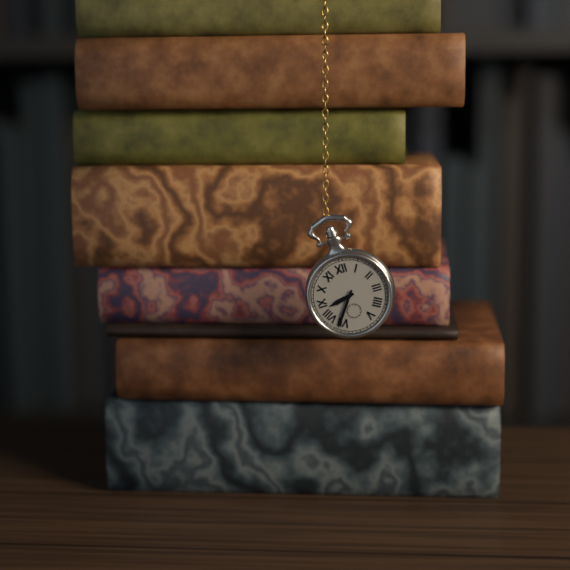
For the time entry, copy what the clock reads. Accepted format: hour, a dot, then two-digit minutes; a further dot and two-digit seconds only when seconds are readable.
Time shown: 8.36
